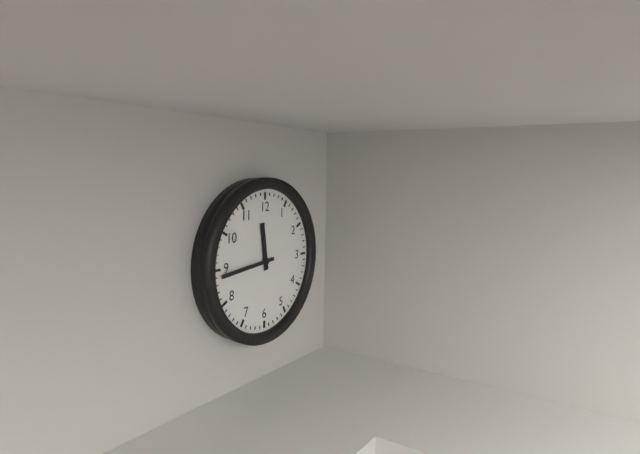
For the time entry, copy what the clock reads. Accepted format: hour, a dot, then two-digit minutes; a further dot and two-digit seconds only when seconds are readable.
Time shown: 11.44
